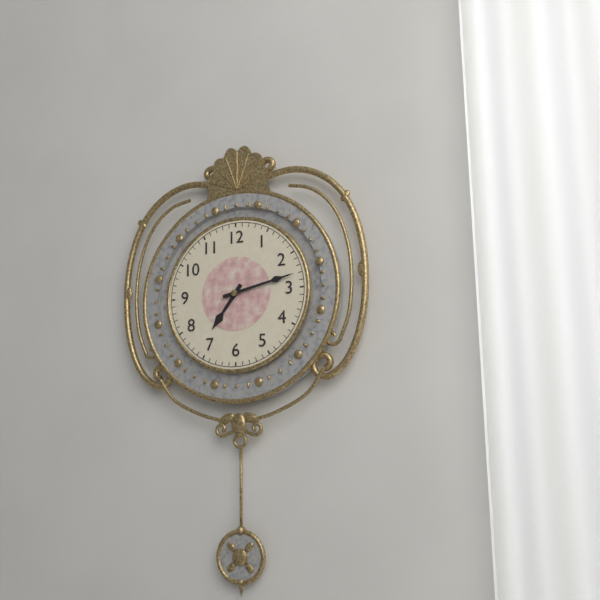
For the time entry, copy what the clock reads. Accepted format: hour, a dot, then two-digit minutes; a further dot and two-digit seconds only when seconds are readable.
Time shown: 7.13
